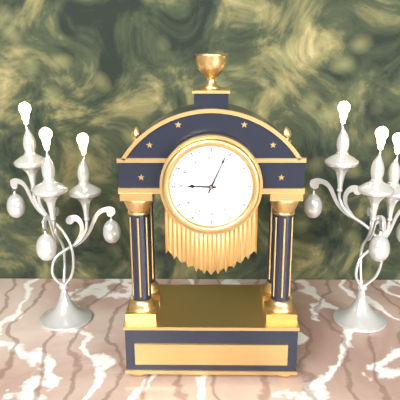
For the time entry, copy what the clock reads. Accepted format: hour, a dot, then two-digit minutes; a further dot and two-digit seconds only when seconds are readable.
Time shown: 9.04
